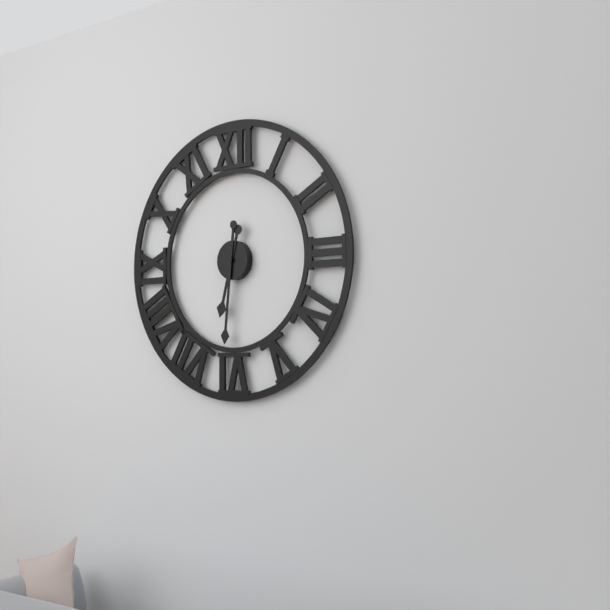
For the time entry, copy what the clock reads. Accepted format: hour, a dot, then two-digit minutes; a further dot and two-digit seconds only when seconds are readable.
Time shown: 6.31
